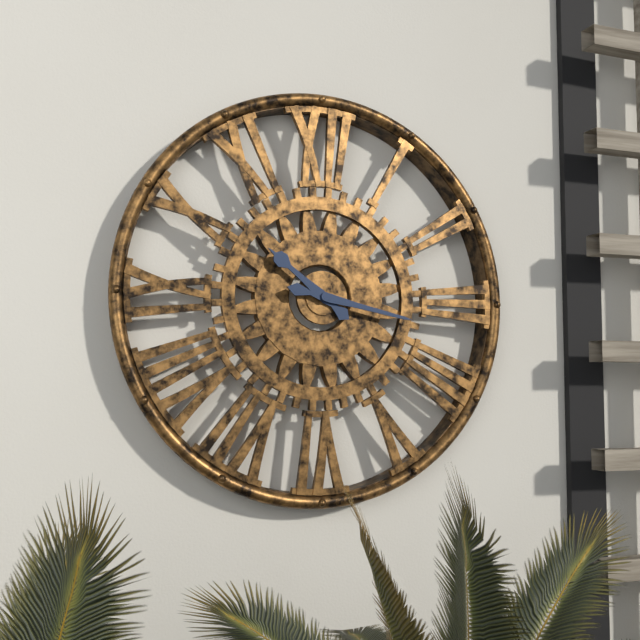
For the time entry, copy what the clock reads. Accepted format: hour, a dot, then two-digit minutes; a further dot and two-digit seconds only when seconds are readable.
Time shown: 10.17
